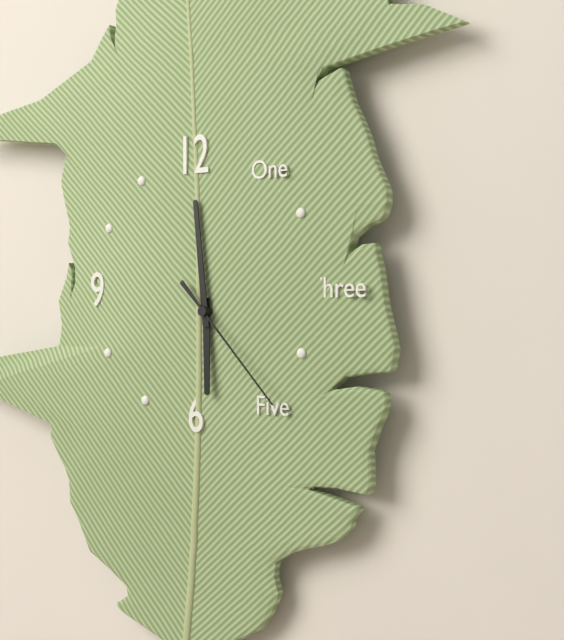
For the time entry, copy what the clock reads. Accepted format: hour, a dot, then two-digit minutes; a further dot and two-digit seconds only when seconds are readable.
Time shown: 5.59.23
